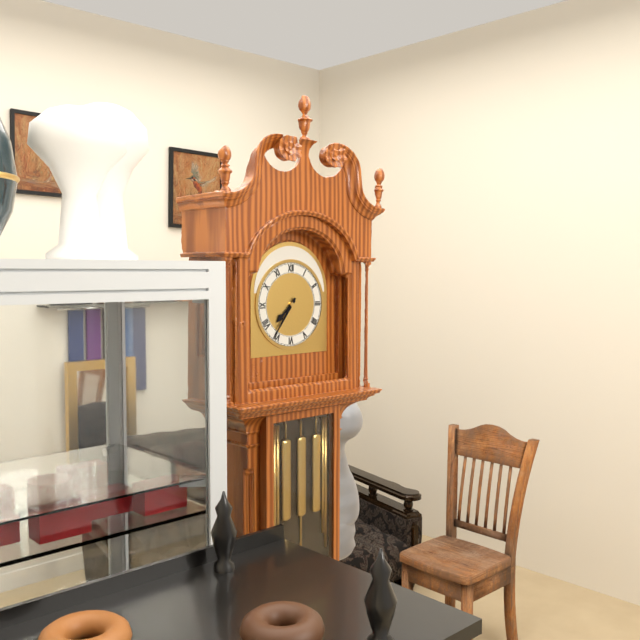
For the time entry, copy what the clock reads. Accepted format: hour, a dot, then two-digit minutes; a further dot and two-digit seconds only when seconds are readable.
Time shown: 7.36
